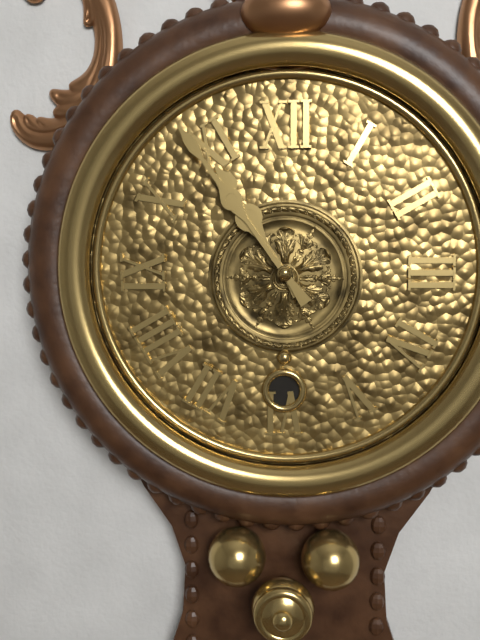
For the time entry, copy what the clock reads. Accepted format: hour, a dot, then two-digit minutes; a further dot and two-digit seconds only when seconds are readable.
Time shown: 10.54
